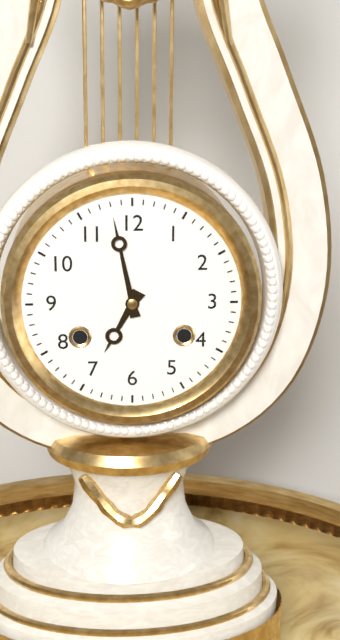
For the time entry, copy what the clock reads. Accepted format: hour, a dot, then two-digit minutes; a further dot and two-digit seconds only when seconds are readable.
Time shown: 6.58
